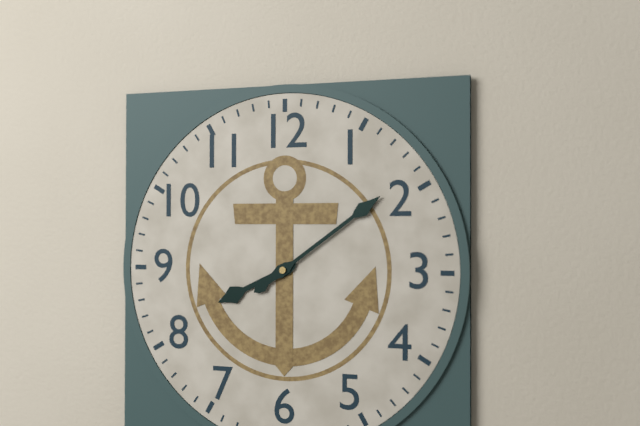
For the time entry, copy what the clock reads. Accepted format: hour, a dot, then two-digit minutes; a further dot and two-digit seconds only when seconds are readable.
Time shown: 8.09
